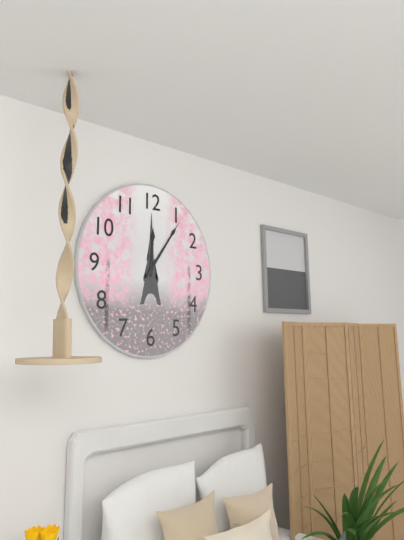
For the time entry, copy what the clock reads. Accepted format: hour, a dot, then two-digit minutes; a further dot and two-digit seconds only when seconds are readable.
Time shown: 12.06
